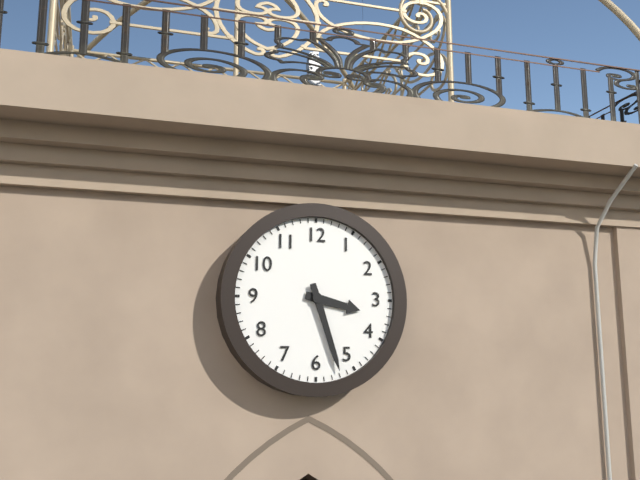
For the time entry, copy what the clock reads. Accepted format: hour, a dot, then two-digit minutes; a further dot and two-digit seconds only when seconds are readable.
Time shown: 3.27
